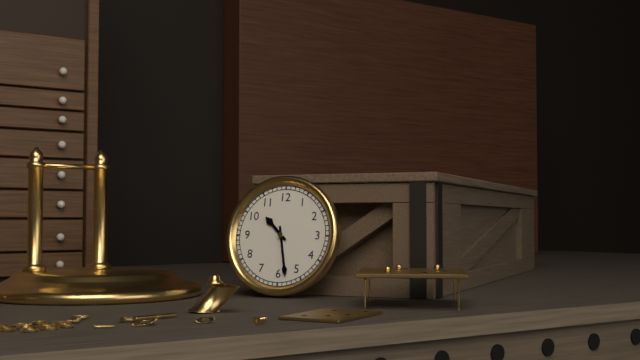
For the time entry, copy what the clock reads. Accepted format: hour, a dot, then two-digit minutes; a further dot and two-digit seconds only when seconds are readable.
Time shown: 10.28
